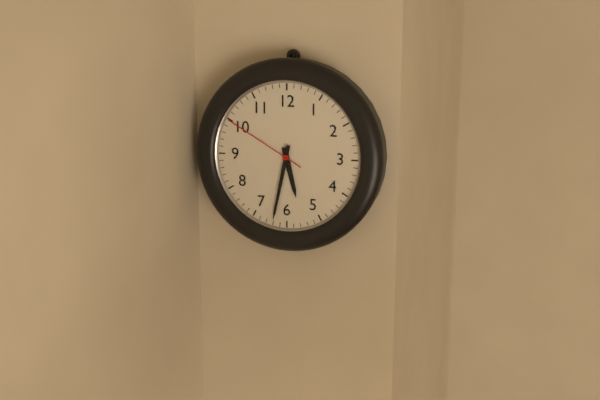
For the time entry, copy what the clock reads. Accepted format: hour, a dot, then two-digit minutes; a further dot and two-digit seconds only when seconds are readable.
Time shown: 5.32.50
